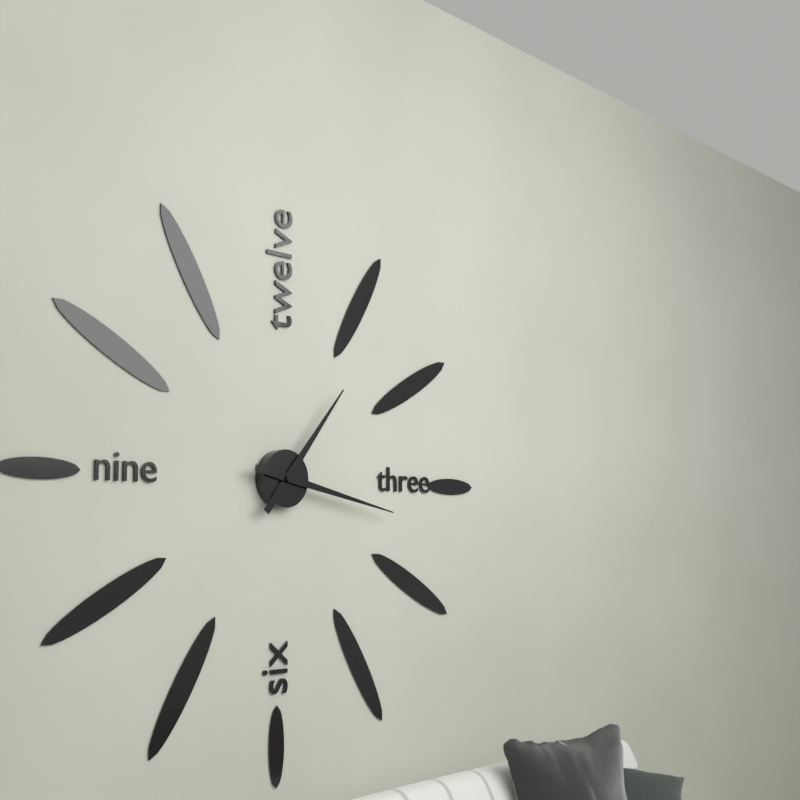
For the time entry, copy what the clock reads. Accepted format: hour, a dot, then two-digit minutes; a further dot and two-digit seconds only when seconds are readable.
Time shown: 1.17
